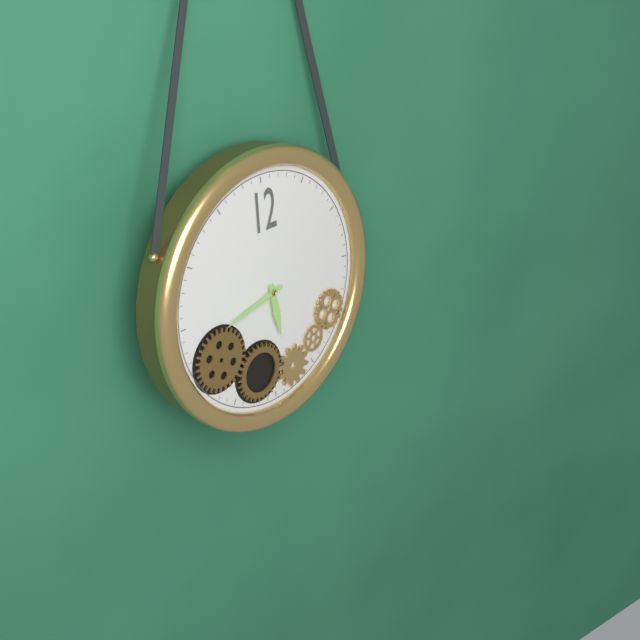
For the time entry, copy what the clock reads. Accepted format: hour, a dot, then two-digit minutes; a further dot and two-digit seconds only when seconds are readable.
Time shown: 5.43
